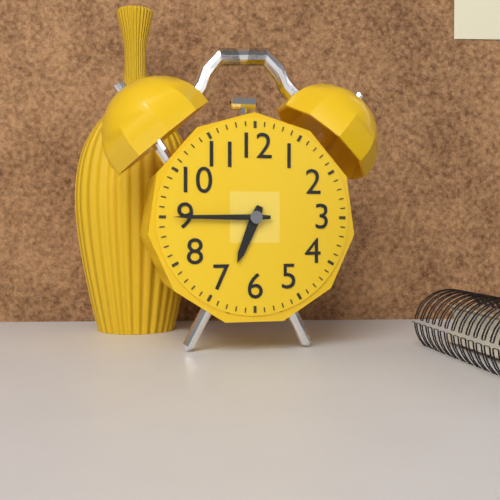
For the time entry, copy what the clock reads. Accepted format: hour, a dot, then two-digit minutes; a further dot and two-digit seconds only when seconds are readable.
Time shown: 6.45
